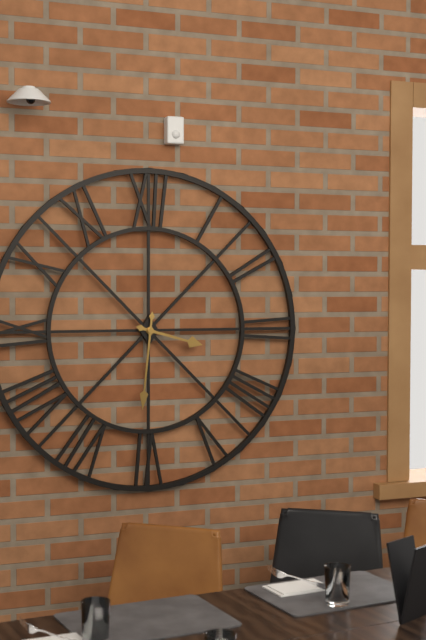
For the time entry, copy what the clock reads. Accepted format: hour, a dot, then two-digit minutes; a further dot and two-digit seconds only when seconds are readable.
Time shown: 3.31
